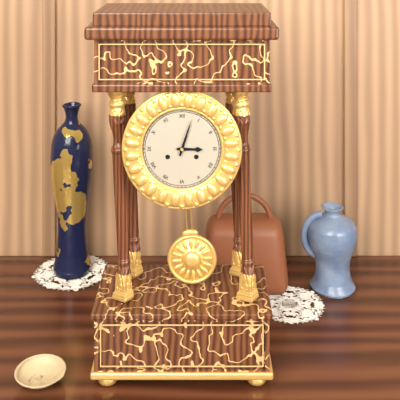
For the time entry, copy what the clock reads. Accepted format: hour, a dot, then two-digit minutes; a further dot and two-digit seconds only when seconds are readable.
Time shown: 3.03
